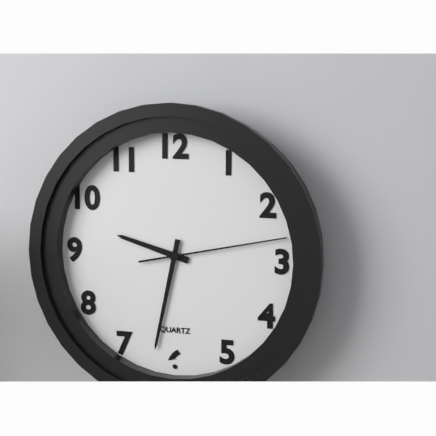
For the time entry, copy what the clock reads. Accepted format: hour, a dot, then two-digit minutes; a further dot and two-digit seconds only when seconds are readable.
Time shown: 9.32.13
